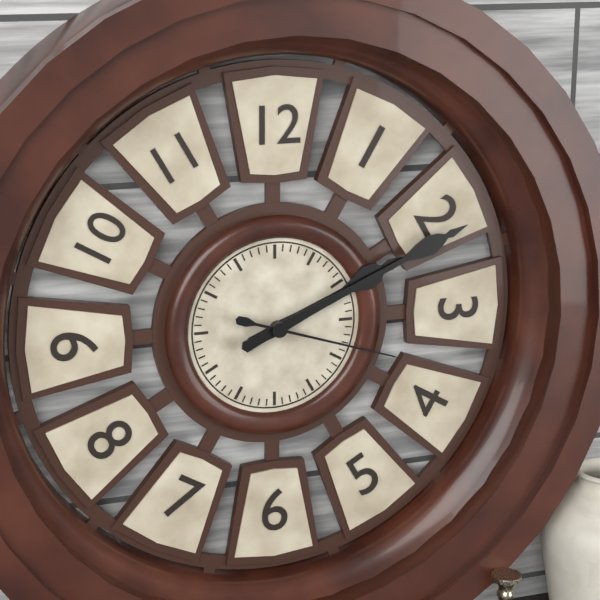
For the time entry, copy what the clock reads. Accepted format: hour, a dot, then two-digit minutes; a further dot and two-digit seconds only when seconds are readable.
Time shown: 2.11.18
